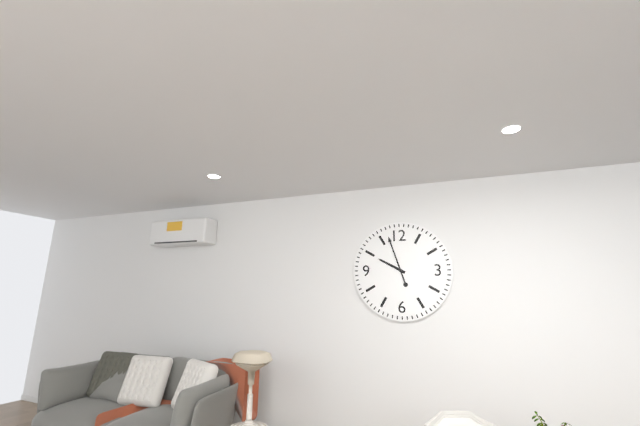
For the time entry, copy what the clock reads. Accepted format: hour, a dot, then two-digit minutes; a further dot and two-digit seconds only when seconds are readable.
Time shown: 9.57
